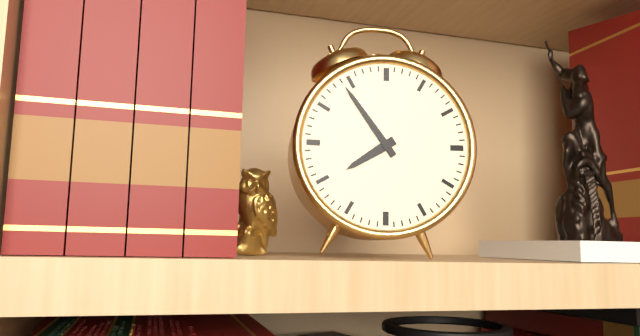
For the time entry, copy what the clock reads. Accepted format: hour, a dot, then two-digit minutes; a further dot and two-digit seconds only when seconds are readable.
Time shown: 7.54
